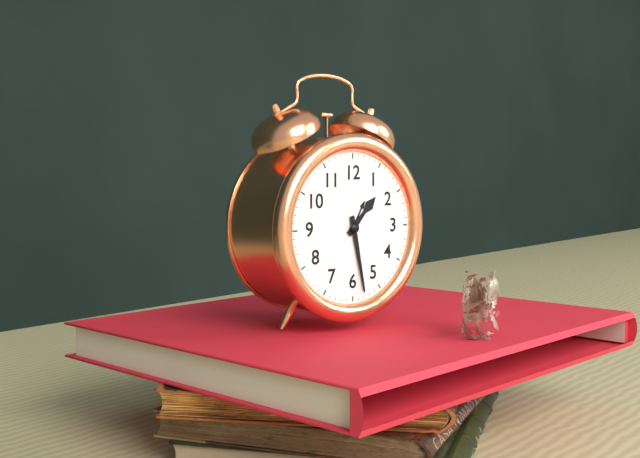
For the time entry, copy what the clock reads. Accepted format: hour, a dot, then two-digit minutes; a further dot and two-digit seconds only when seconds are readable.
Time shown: 1.28
